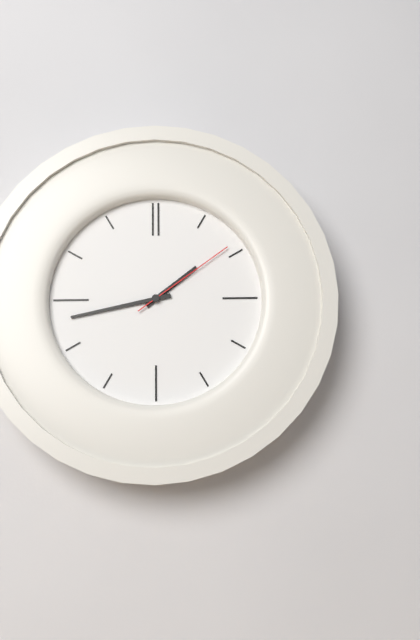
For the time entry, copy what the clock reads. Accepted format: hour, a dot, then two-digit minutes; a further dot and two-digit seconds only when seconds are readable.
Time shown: 1.43.09
